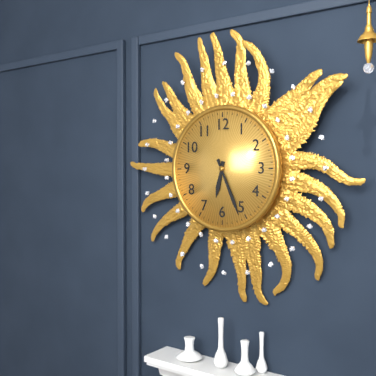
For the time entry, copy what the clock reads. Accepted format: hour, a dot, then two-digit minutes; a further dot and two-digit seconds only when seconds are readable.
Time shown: 6.26
